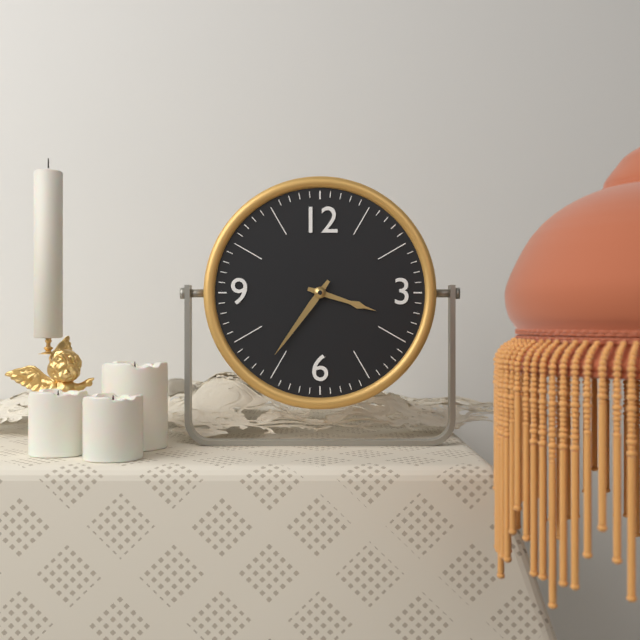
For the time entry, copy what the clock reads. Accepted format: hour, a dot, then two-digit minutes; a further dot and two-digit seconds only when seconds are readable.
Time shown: 3.36
